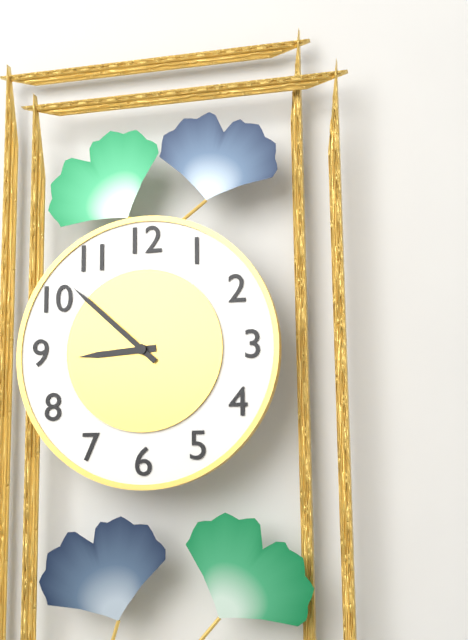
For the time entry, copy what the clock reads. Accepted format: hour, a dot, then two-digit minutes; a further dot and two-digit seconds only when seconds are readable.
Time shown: 8.52
